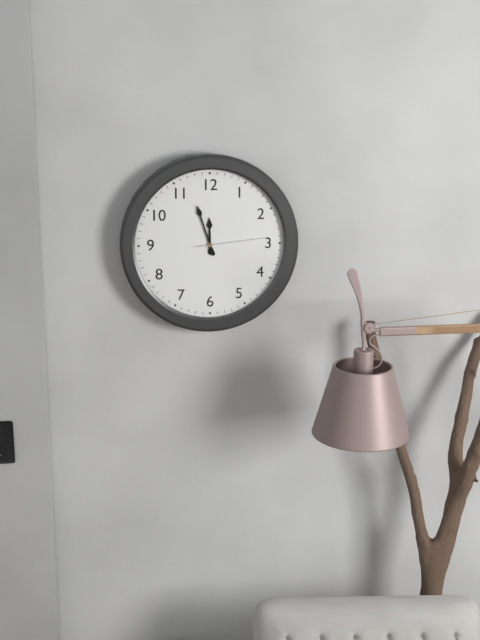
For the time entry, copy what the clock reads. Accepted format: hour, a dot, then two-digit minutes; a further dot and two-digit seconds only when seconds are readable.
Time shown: 11.57.14
